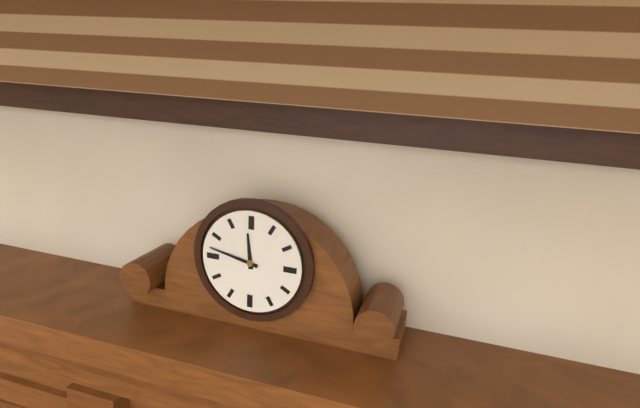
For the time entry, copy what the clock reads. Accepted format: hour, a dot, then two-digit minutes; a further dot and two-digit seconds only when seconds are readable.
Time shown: 11.47
